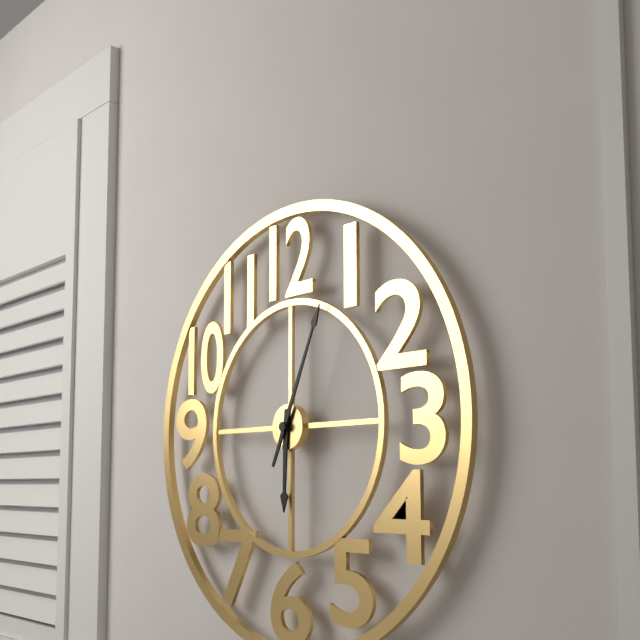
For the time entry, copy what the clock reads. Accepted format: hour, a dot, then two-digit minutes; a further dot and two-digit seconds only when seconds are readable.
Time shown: 6.04
